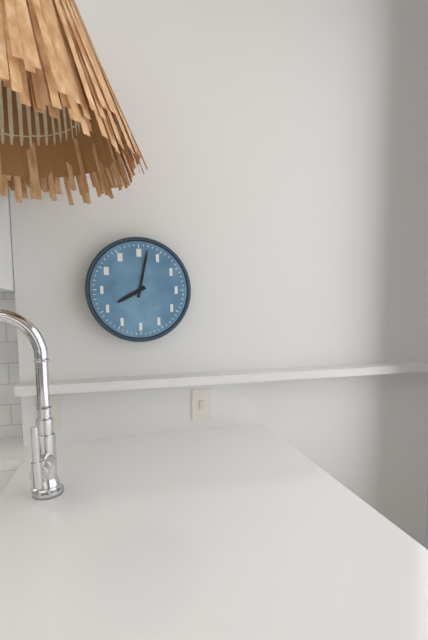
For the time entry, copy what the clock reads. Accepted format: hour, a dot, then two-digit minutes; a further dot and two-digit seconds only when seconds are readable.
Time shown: 8.02
